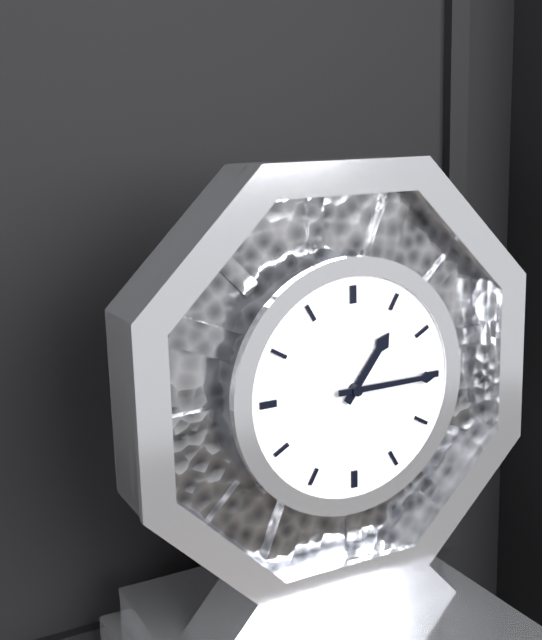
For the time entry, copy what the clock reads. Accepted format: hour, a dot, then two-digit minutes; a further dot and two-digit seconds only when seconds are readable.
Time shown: 1.15
